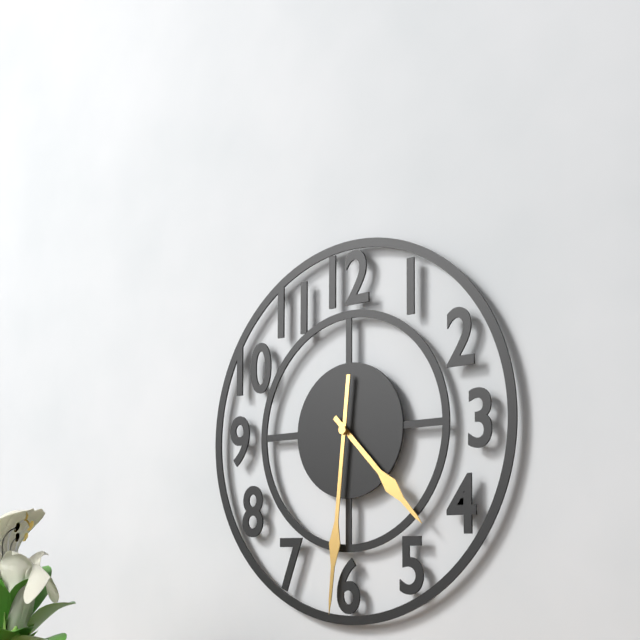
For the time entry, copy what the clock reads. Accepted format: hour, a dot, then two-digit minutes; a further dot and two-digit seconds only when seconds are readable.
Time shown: 4.31
